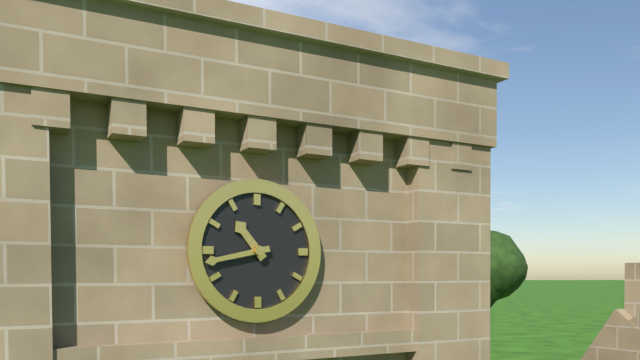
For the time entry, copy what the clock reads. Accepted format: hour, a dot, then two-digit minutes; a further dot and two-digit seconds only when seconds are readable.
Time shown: 10.43
